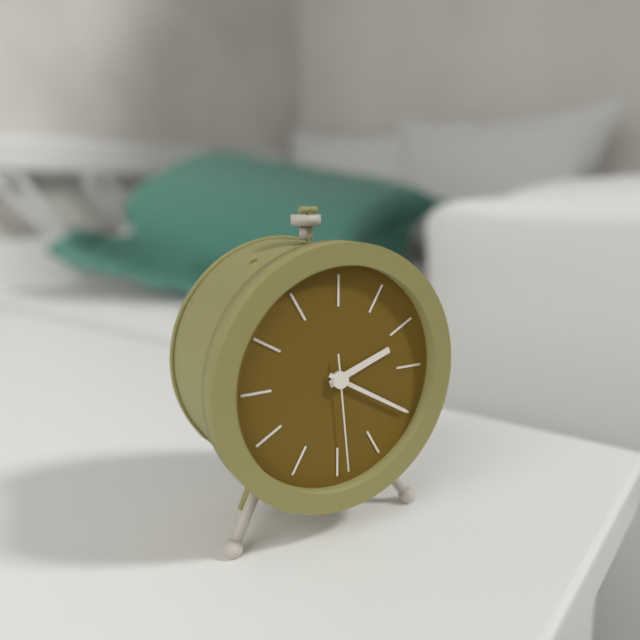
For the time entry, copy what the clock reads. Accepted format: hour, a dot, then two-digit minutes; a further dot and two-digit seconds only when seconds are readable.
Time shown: 2.20.29
